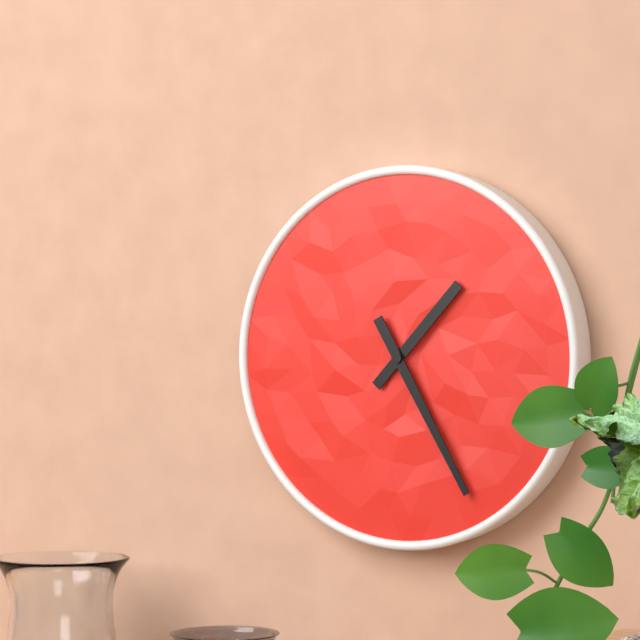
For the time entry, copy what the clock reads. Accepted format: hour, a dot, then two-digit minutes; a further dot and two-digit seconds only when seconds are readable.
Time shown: 1.25
